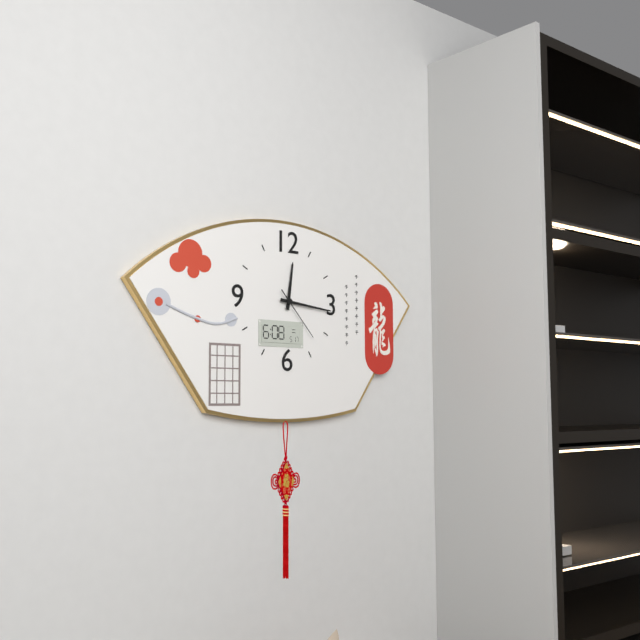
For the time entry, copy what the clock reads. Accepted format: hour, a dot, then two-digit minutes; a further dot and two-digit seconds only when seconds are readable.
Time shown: 12.16.23
